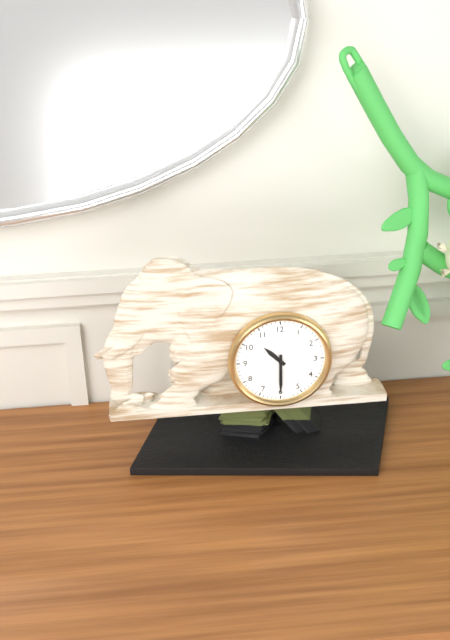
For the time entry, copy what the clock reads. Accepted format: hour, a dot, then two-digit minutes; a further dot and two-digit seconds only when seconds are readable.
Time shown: 10.30
